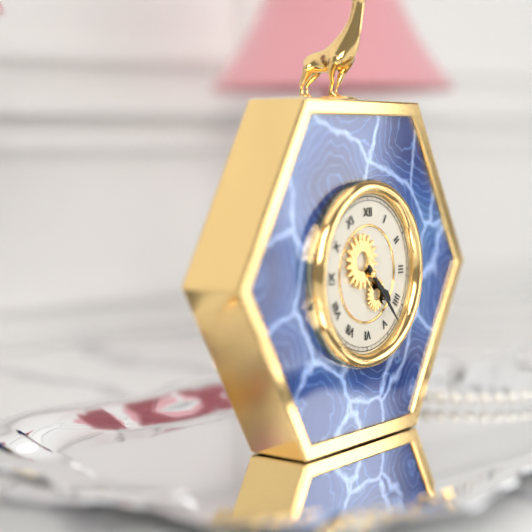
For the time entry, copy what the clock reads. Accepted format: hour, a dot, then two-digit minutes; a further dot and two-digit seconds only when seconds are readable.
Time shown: 4.23
